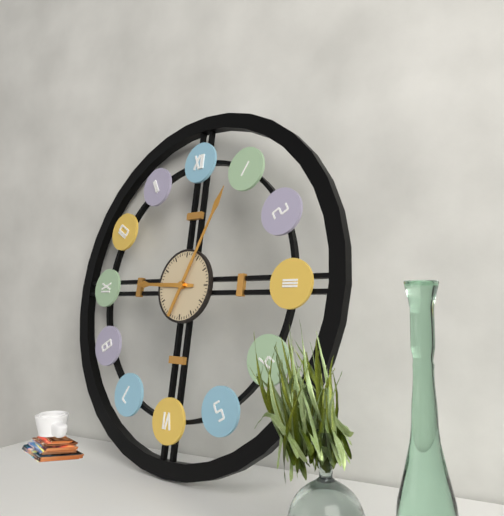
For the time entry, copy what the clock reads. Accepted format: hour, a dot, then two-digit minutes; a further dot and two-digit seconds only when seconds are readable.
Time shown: 9.04
